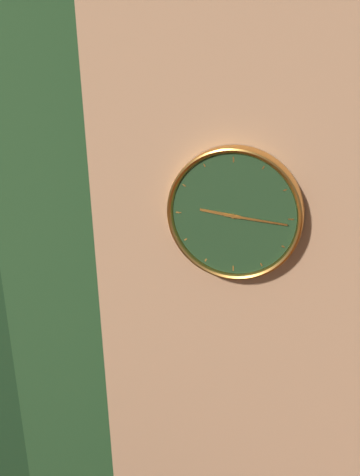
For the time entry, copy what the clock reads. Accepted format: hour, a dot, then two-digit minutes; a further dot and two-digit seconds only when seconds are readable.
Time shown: 9.16
